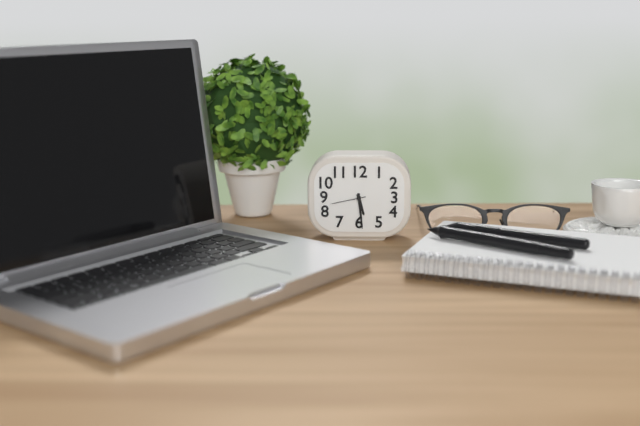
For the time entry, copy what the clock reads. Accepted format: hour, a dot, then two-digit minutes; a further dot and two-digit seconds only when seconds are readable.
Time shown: 5.29
